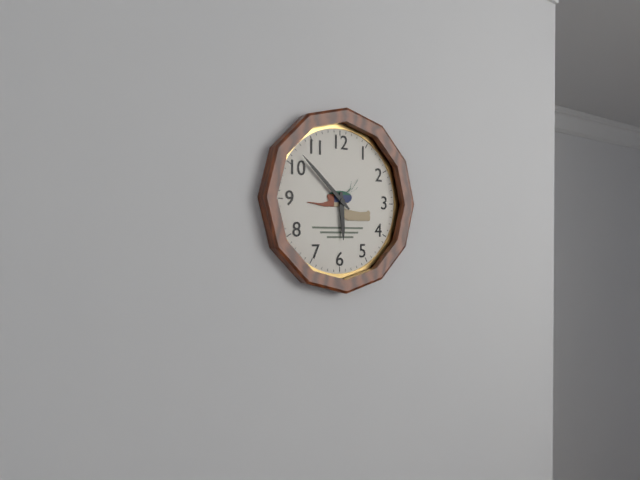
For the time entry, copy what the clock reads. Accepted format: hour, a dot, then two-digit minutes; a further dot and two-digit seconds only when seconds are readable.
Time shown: 5.52
